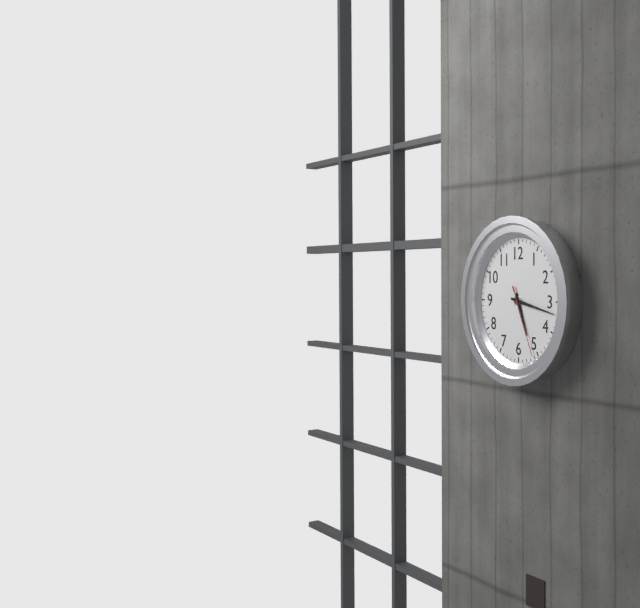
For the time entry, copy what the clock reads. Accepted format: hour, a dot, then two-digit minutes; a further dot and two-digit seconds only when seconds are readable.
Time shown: 5.17.26
